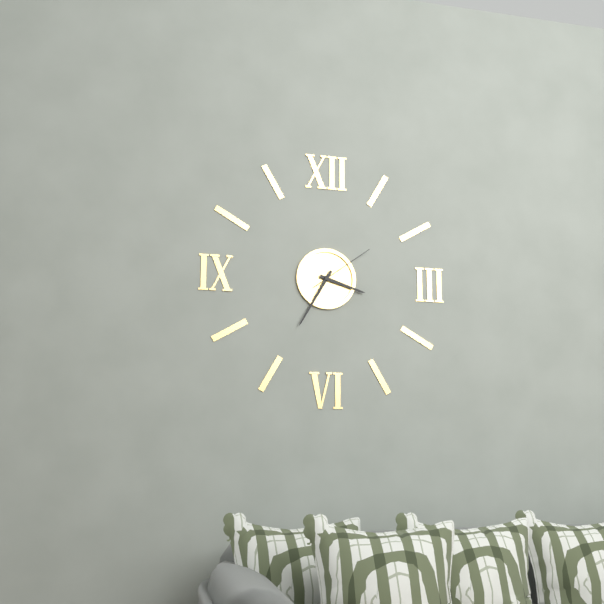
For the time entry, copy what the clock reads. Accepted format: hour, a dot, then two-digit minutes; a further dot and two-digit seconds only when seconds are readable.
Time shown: 3.35.09
